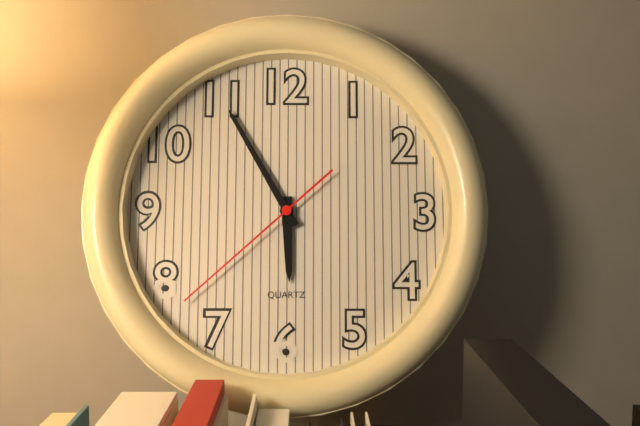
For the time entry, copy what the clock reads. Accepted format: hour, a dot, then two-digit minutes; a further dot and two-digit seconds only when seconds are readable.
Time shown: 5.55.38
